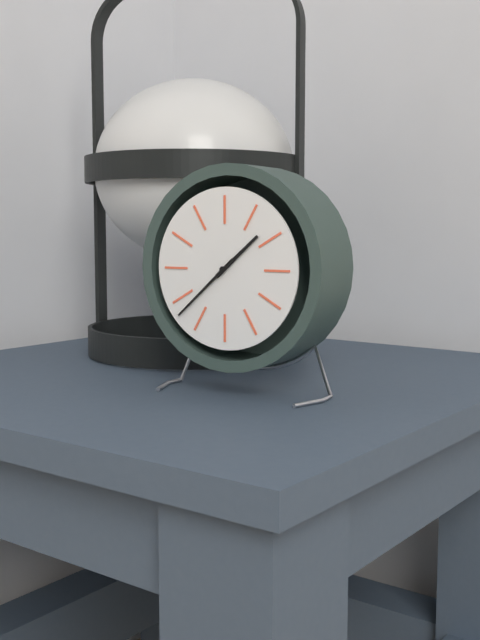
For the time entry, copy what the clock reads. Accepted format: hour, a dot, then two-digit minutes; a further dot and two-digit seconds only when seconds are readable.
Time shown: 1.38
